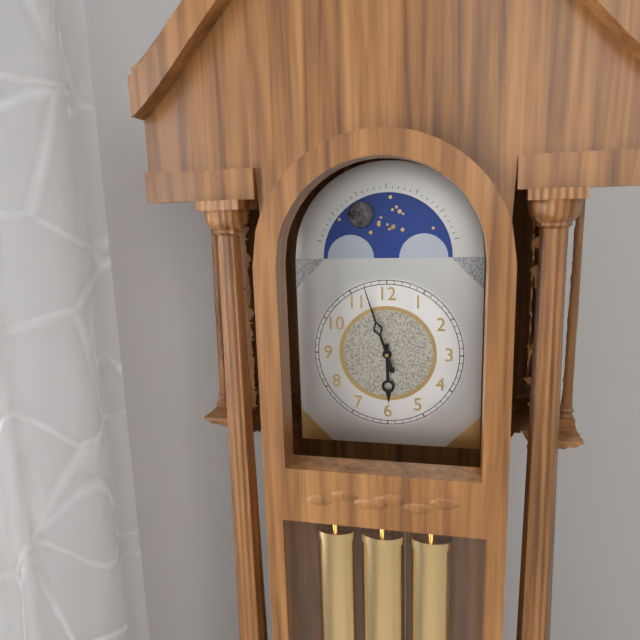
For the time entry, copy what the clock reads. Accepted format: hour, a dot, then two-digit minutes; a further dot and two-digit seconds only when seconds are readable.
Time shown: 5.57
